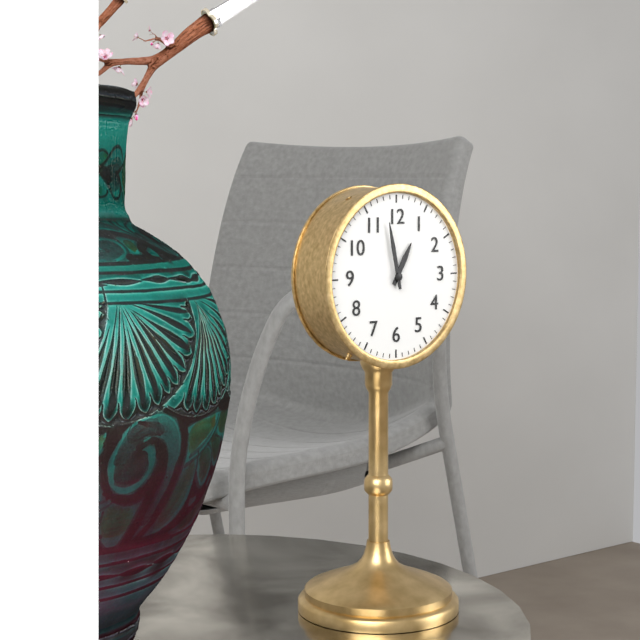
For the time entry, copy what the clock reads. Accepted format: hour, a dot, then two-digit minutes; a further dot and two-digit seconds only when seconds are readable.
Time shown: 12.58
